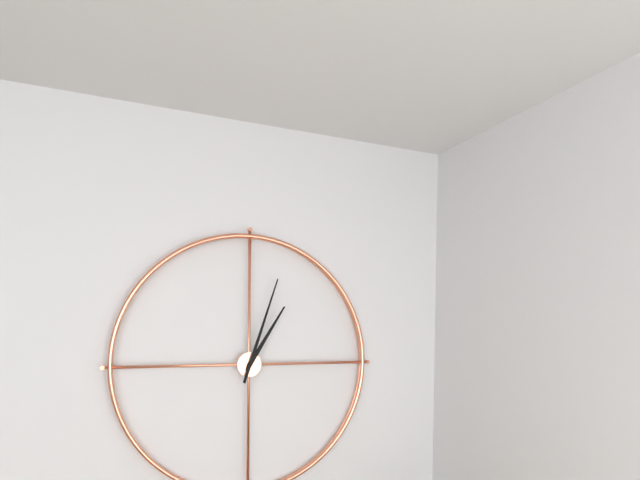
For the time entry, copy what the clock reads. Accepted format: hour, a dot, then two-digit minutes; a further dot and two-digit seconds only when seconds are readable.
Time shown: 1.03
